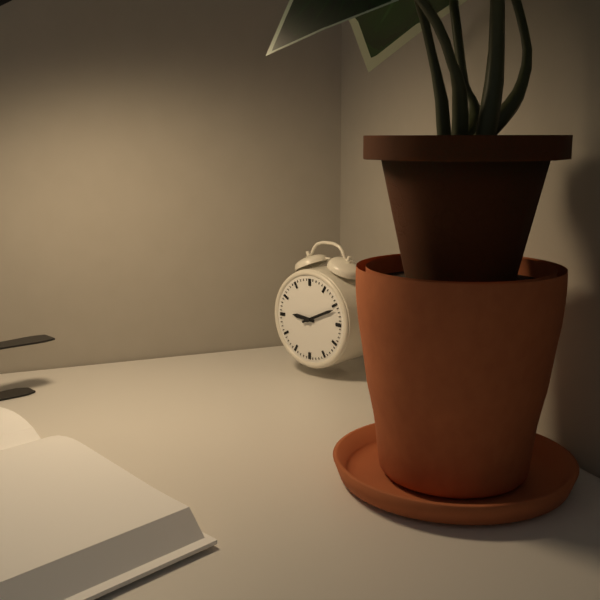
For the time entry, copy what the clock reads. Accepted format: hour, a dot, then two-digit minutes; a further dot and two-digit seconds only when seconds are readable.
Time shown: 9.11
